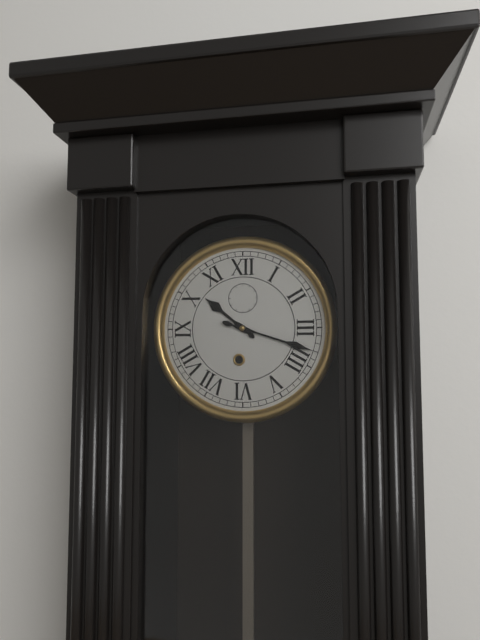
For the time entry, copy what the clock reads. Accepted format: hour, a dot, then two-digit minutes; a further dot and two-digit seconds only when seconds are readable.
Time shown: 10.18
